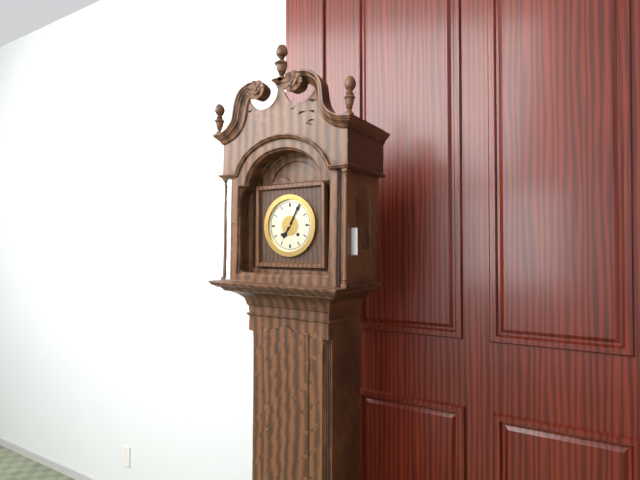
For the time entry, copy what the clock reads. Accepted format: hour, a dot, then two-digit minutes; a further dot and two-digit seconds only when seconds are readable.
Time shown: 7.05
